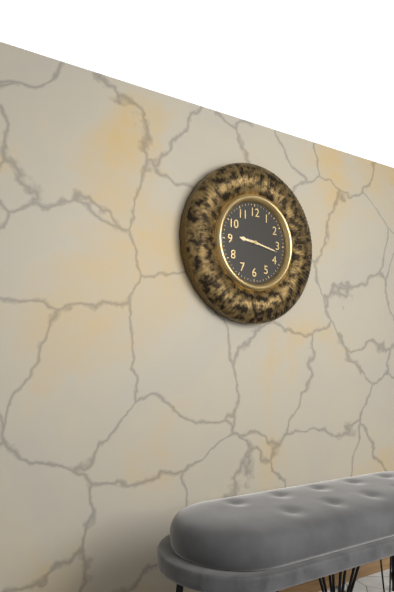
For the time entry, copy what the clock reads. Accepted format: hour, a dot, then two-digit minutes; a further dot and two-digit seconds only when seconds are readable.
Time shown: 9.17
